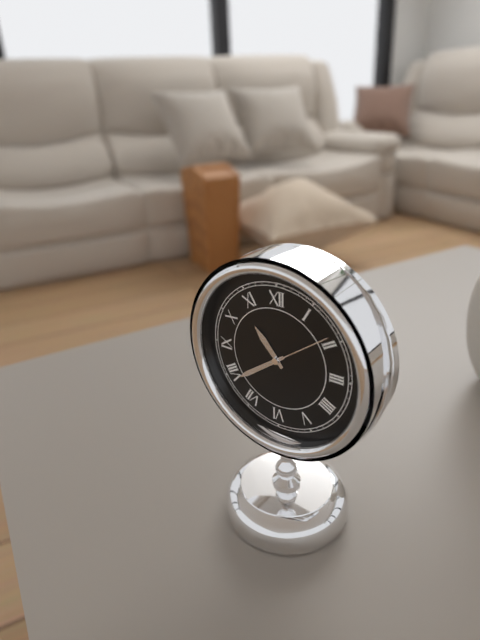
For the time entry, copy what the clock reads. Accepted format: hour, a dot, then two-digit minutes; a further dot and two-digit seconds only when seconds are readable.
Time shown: 10.39.09
